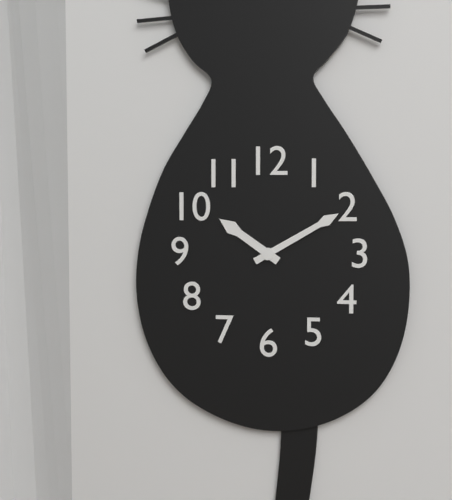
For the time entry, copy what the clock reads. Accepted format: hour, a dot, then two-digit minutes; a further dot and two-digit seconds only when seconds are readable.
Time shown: 10.10
